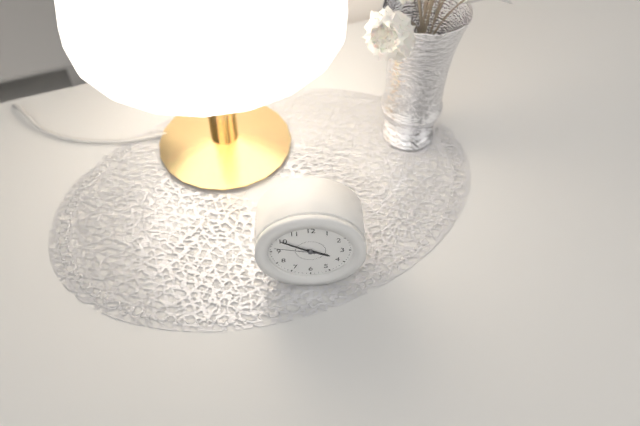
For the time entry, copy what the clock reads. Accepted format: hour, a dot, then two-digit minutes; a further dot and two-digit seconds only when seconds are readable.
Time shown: 3.50
